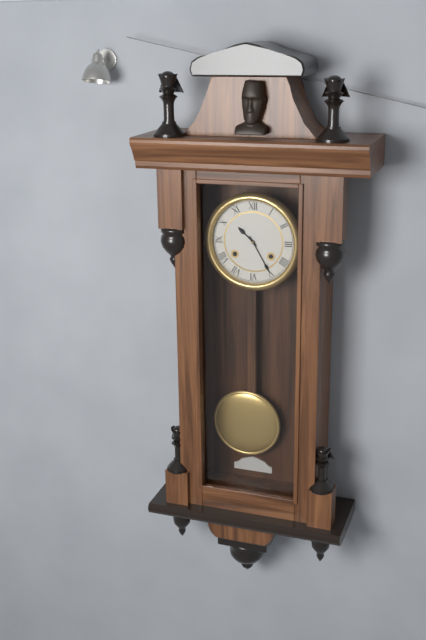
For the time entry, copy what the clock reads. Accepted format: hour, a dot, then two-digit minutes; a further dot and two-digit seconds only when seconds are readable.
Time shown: 10.25
